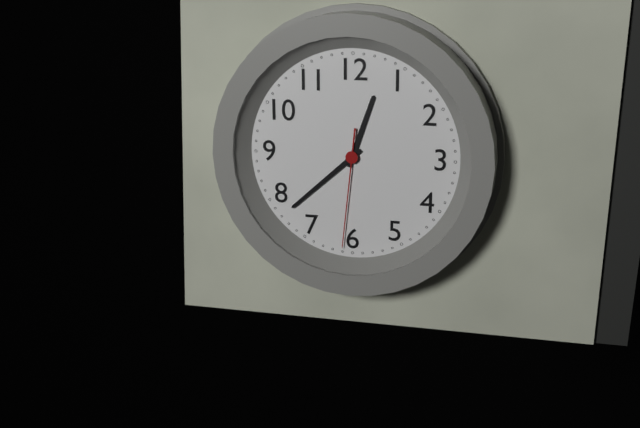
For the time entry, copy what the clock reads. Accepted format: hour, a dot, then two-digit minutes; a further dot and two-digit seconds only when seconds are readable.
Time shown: 12.38.31
